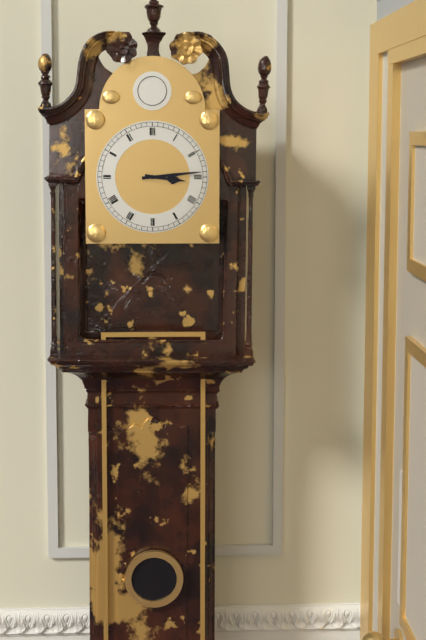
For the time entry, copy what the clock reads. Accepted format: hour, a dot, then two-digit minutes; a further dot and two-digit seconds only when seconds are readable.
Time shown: 3.14
